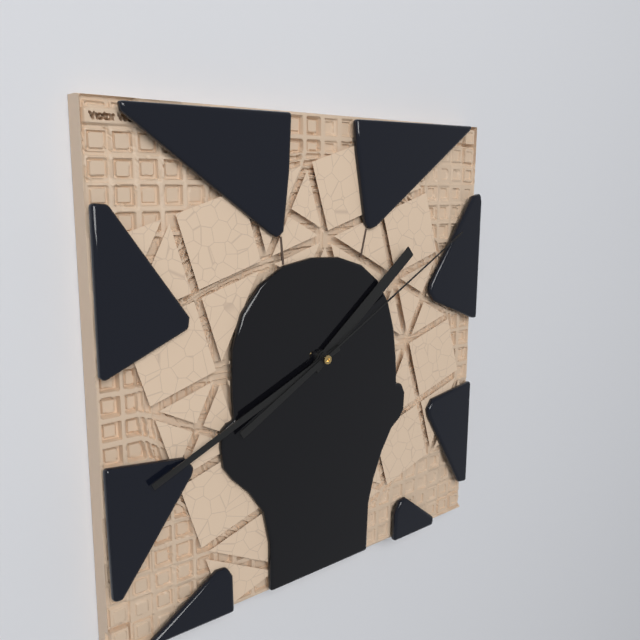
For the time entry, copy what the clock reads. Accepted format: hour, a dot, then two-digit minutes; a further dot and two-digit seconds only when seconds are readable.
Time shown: 1.41.10
